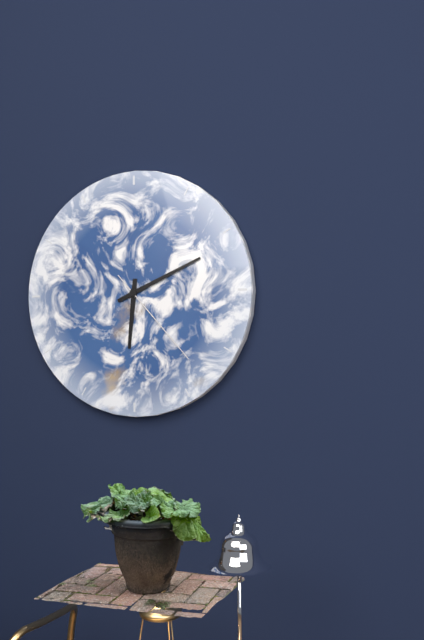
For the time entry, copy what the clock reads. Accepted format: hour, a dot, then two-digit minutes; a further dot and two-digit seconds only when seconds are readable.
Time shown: 6.11.23
